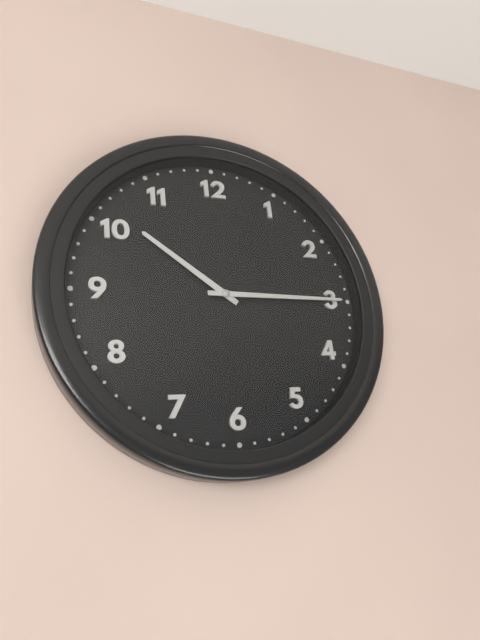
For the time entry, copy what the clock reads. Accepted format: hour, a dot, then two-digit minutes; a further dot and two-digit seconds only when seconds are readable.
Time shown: 10.15
